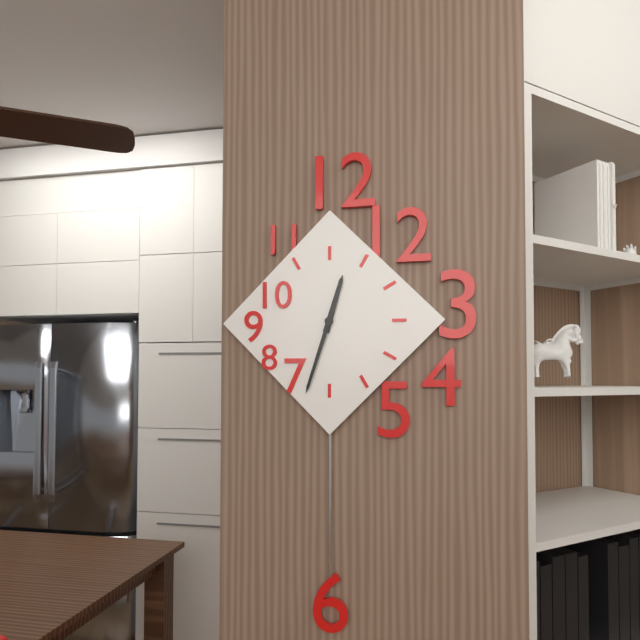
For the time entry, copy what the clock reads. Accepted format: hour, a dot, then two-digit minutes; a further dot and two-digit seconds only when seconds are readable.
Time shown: 12.33
